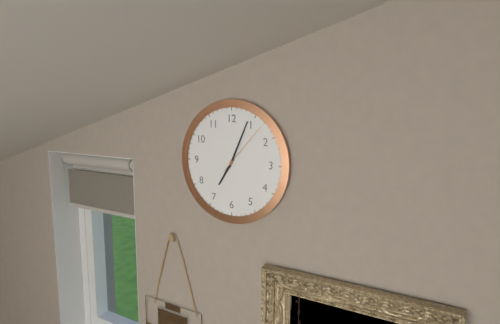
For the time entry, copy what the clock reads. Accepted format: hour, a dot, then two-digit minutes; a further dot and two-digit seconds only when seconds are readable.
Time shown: 7.04.07
